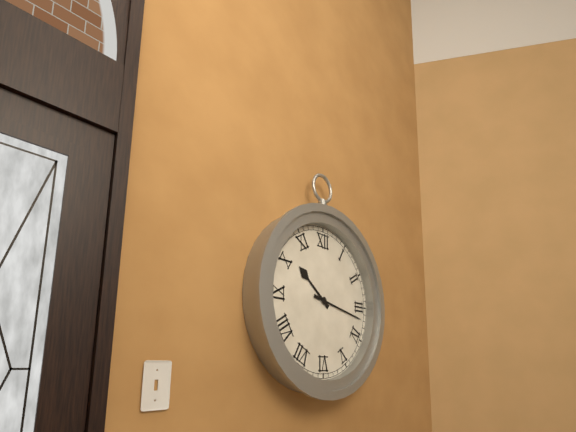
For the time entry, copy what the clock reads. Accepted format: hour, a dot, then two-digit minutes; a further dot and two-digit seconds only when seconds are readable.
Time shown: 10.17
